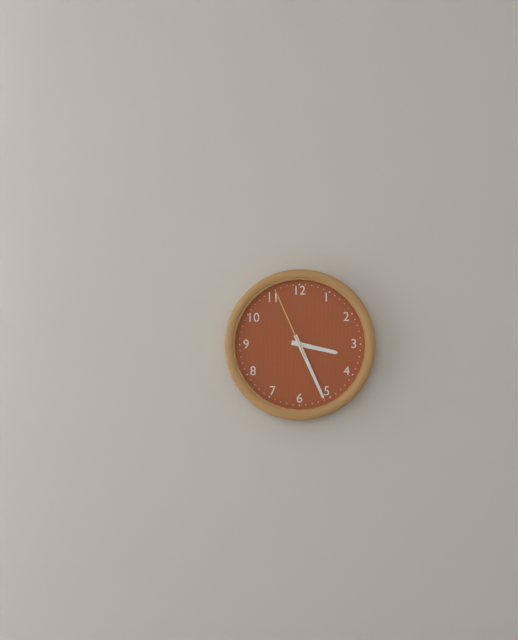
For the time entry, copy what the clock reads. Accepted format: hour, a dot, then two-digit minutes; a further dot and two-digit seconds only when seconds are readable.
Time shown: 3.26.56
